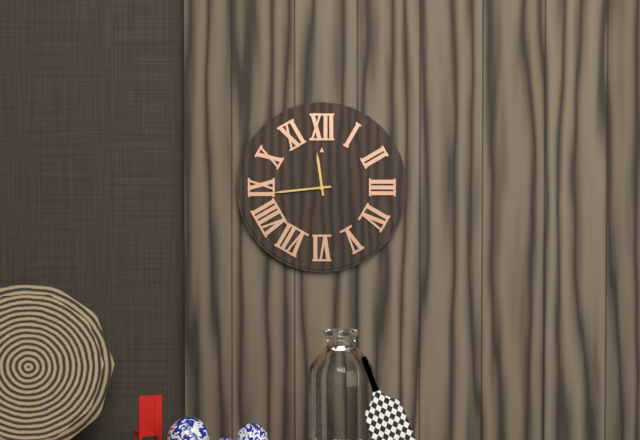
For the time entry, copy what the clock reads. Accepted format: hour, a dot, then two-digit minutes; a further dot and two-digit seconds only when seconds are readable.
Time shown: 11.44
